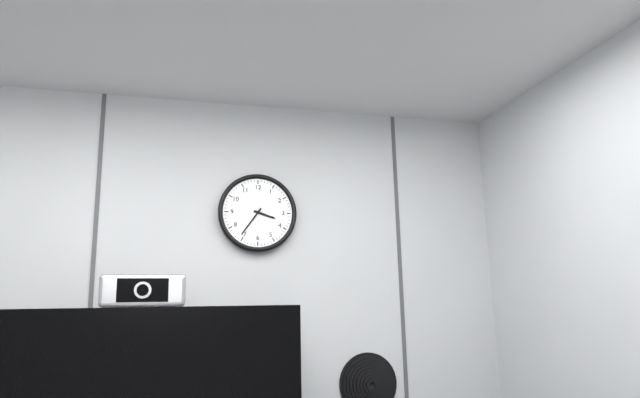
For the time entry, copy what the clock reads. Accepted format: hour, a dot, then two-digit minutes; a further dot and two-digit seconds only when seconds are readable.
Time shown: 3.36
